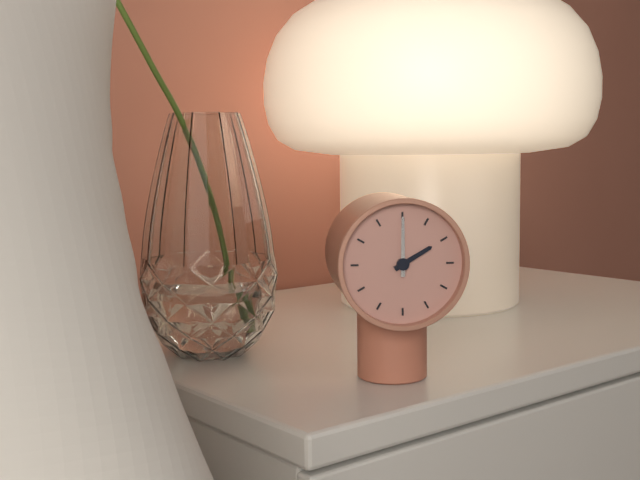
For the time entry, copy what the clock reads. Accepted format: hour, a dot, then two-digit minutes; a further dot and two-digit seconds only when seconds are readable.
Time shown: 2.00
